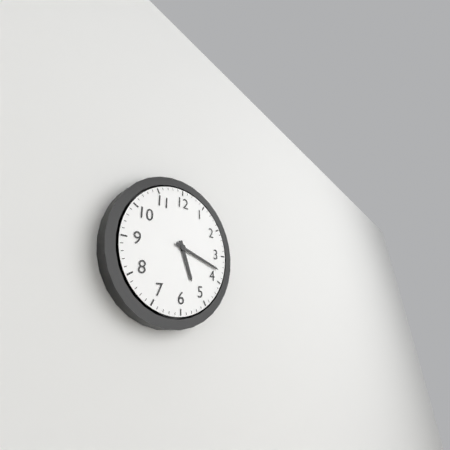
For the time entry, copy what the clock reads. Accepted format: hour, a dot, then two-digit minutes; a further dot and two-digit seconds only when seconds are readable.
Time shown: 5.18
